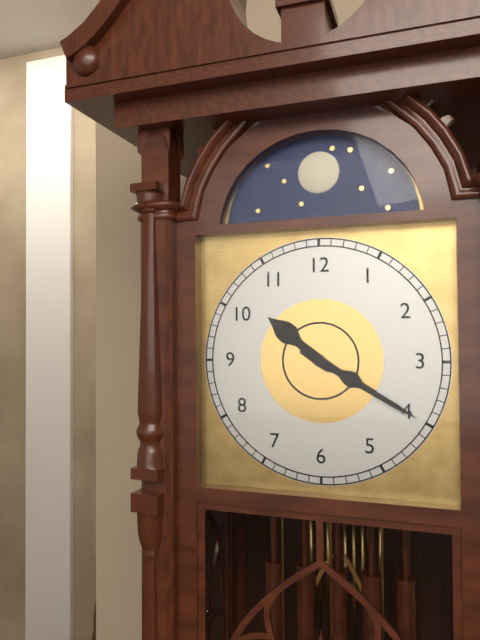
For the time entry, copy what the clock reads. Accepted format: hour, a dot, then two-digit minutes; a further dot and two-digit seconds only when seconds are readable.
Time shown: 10.20
